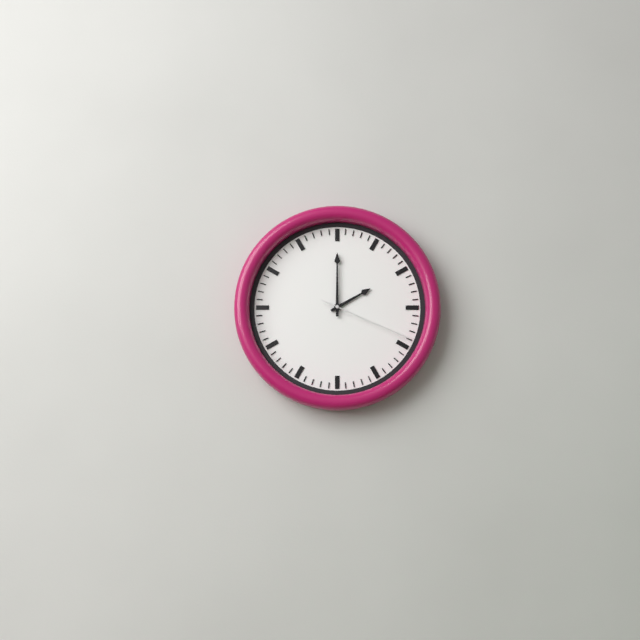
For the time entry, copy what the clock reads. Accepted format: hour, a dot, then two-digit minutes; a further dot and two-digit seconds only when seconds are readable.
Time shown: 2.00.19
